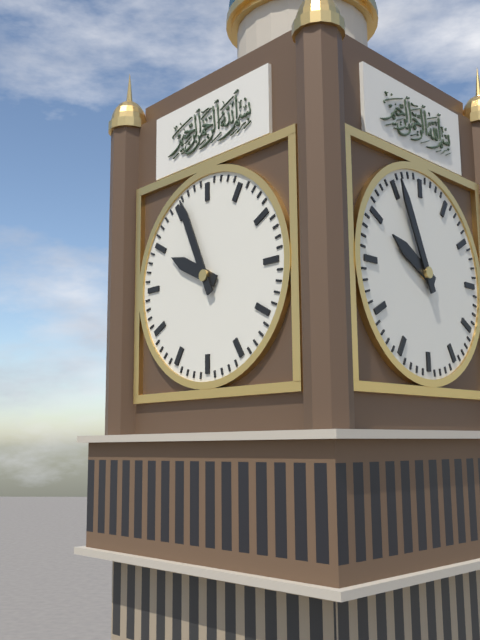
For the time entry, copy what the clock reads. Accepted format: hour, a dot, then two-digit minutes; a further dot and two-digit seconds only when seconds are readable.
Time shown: 9.56
